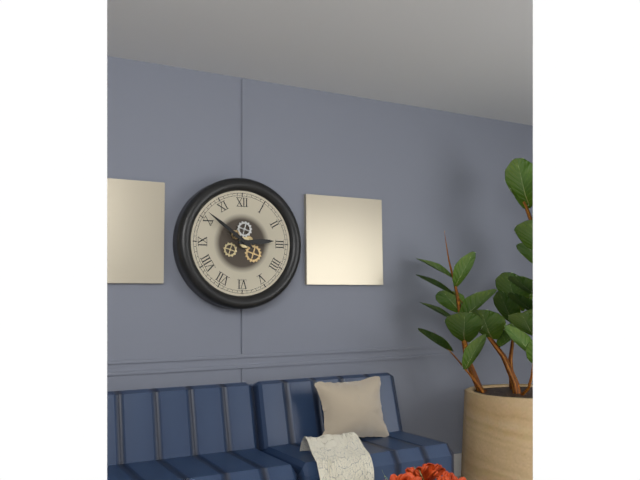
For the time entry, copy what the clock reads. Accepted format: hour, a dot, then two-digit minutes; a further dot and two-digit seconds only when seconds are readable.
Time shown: 2.51
